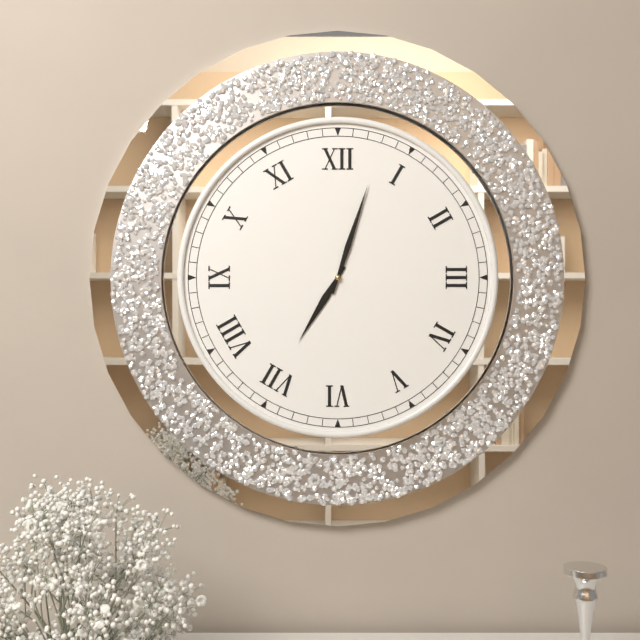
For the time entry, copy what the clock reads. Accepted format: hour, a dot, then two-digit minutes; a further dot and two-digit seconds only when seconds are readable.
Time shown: 7.03
